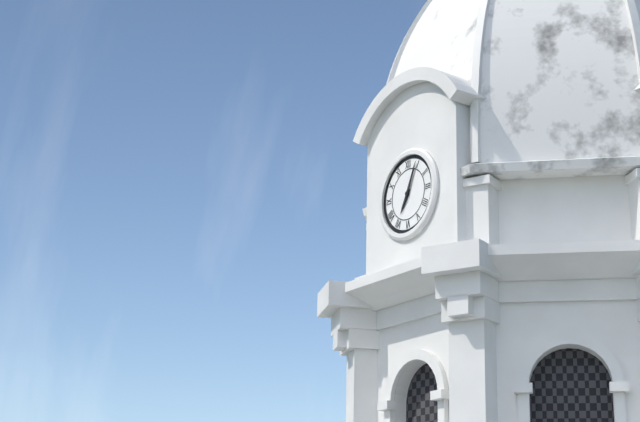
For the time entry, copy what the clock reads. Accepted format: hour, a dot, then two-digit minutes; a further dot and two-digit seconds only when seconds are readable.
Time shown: 7.04
